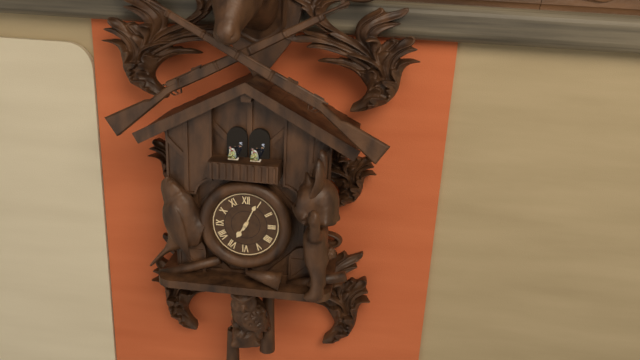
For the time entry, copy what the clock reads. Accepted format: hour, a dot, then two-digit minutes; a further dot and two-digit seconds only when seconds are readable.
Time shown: 7.04
